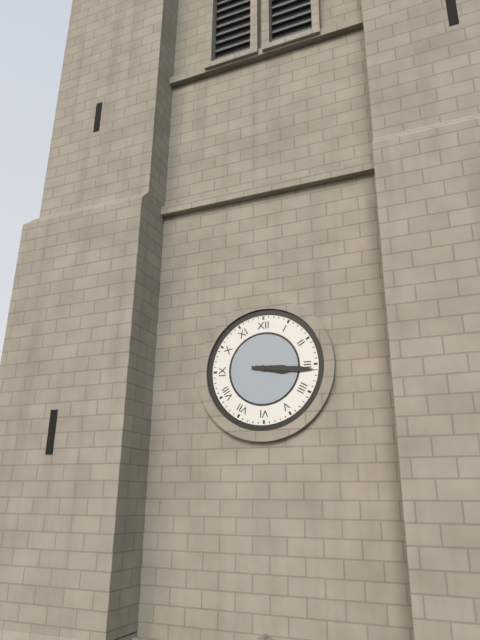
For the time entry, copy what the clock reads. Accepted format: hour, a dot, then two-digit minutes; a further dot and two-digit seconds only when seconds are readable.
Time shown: 3.16
